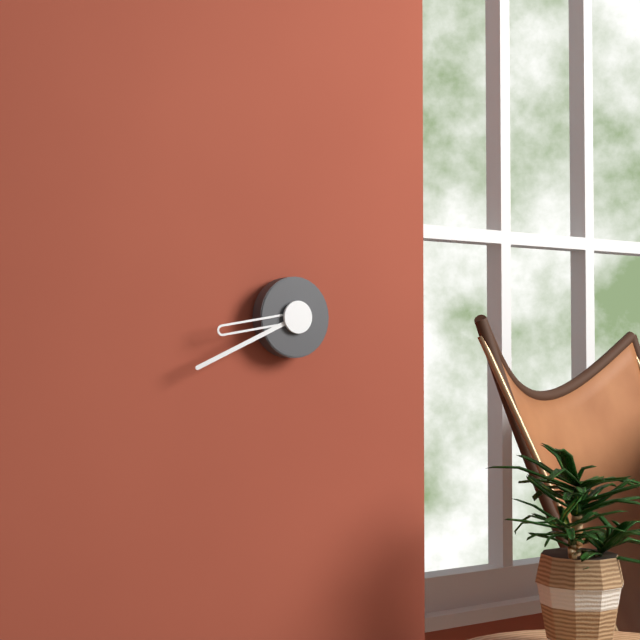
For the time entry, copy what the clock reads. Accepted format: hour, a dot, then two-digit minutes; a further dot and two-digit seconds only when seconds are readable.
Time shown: 8.41
